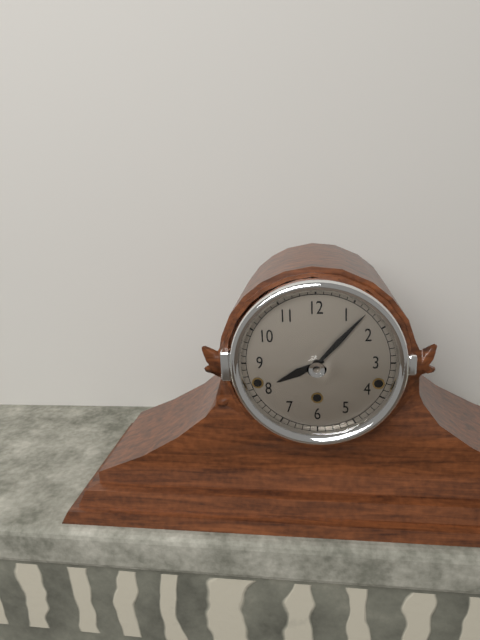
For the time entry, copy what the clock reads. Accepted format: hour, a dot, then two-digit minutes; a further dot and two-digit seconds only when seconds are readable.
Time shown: 8.07
